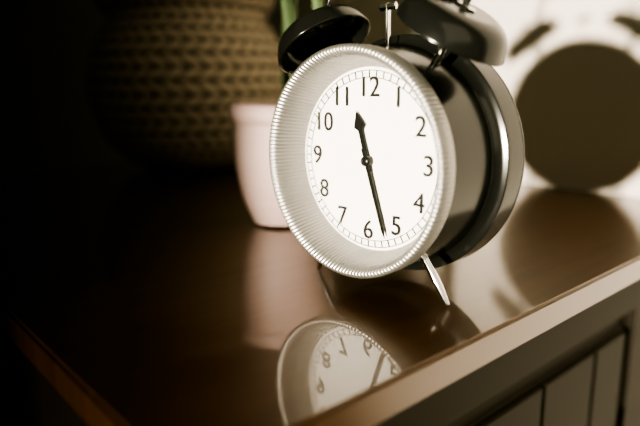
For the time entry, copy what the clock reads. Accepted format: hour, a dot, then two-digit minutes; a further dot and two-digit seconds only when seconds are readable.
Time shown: 11.27
